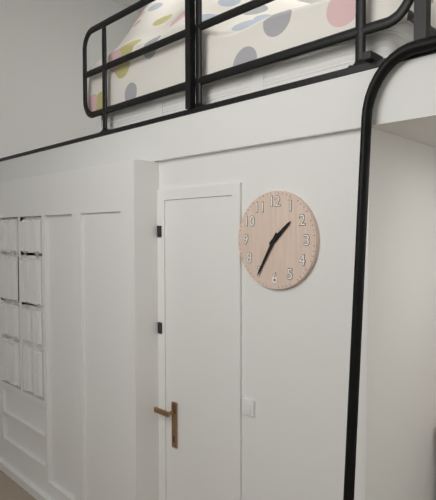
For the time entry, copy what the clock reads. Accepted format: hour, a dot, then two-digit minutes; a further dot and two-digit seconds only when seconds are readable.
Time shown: 1.35
